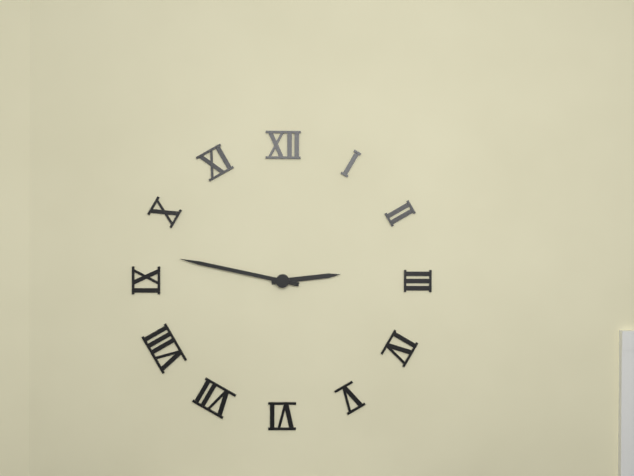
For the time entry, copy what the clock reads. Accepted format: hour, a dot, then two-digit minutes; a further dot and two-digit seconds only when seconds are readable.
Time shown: 2.47
